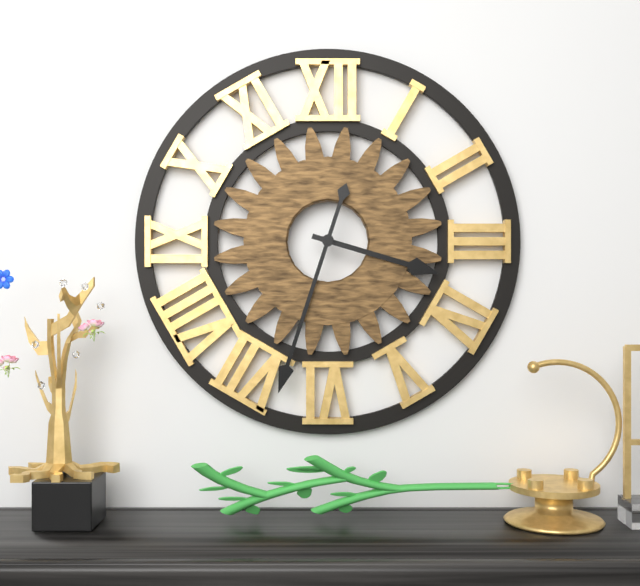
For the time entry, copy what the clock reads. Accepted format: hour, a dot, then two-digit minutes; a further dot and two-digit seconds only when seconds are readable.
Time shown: 3.33
